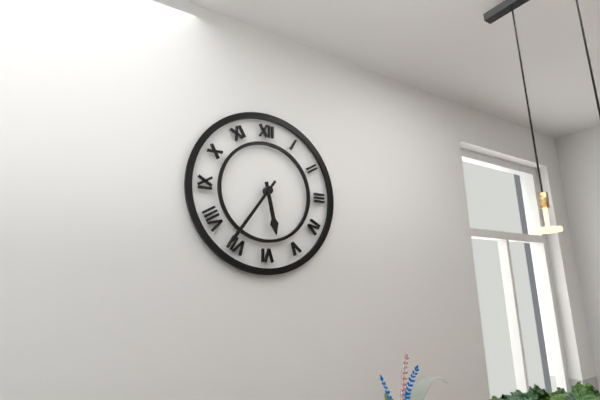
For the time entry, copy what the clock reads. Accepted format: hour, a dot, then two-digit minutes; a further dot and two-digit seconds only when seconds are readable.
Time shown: 5.36
